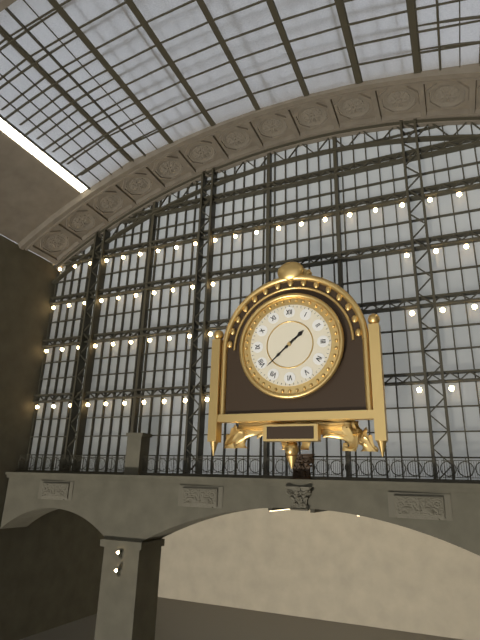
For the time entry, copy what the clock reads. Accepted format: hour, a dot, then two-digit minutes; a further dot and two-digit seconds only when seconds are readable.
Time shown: 1.38
